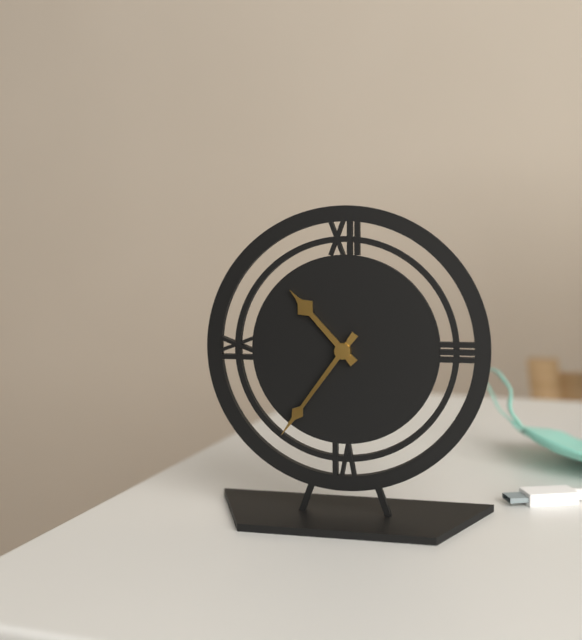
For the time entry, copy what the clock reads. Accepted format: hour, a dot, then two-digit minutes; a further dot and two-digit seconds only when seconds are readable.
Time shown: 10.36
